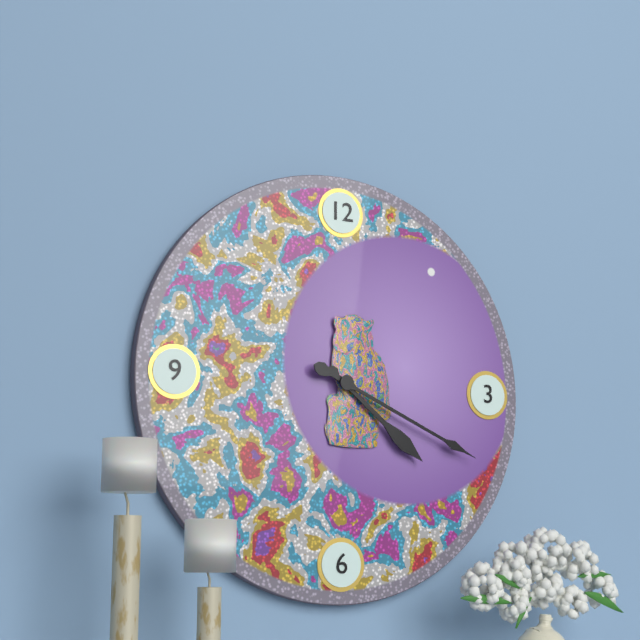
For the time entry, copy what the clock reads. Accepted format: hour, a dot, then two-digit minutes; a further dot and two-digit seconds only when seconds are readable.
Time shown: 4.19
